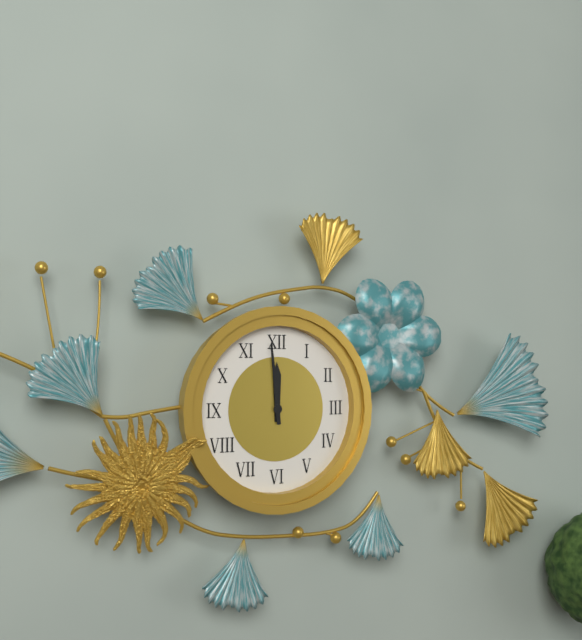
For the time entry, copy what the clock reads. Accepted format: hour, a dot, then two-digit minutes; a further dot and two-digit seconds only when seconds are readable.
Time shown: 11.59
